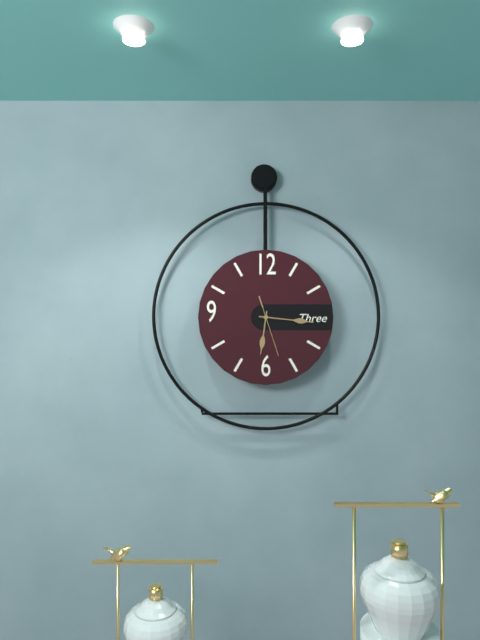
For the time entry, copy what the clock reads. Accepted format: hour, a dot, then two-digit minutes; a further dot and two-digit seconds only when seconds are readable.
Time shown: 6.16.27
